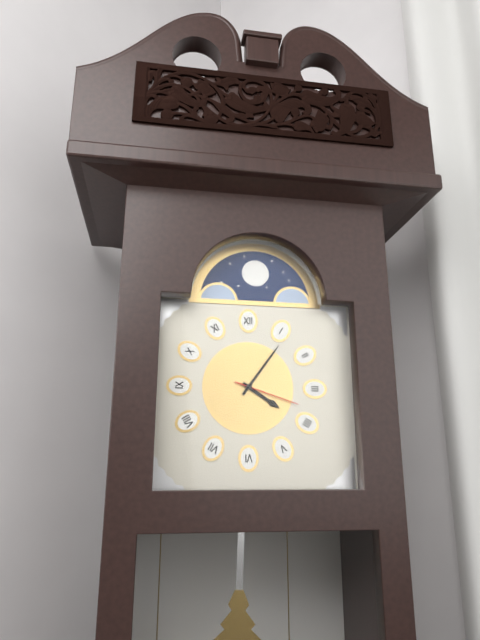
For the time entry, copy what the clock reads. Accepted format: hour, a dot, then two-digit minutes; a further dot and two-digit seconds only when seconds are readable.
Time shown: 4.06.18
